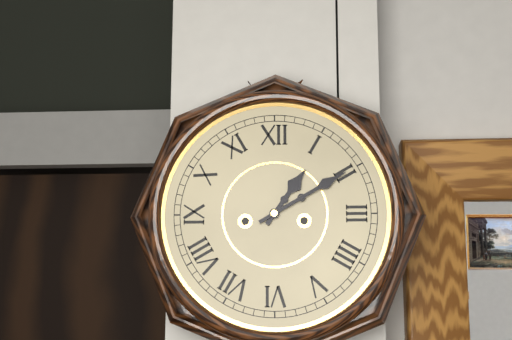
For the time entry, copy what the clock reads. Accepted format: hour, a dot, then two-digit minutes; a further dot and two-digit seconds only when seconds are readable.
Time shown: 1.10
